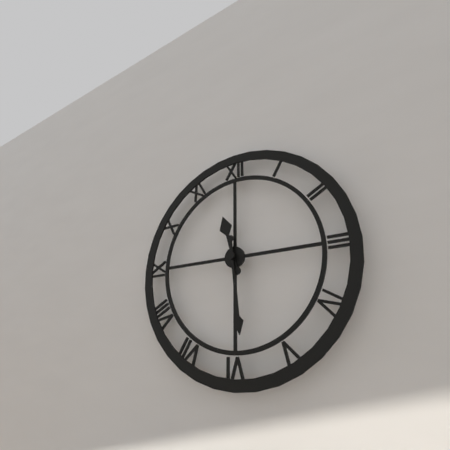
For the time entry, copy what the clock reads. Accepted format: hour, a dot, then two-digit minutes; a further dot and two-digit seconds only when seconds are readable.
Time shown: 11.29
